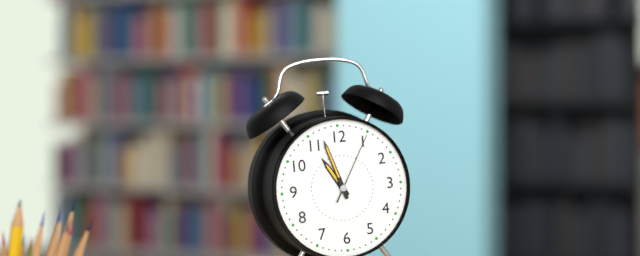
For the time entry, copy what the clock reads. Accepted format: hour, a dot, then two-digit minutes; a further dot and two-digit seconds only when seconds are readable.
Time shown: 10.57.05
